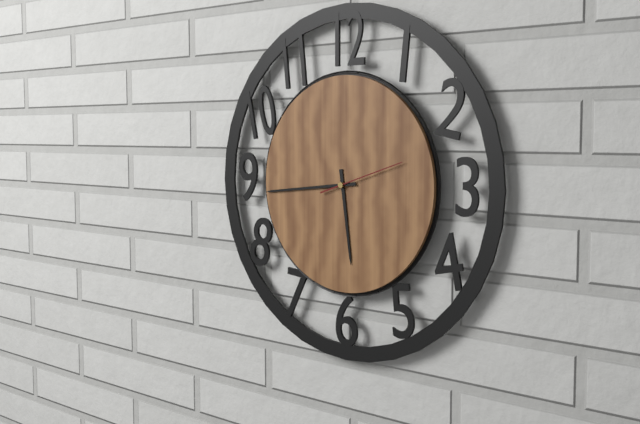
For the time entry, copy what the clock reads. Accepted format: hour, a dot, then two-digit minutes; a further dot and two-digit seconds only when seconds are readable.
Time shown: 5.44.12
